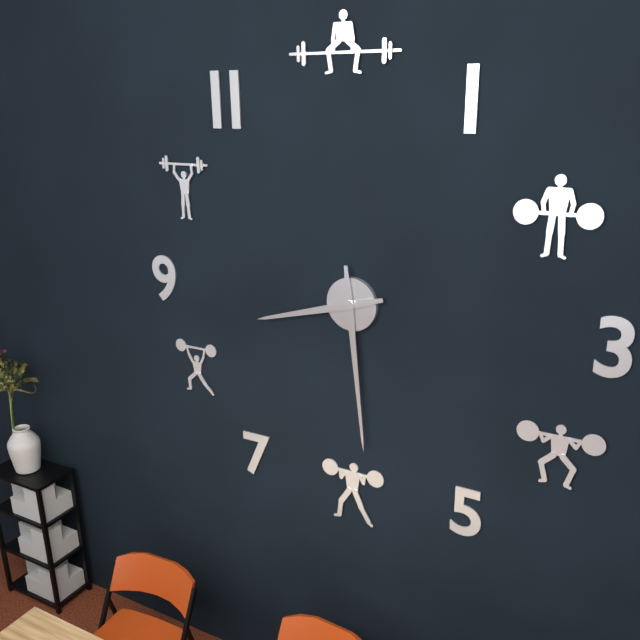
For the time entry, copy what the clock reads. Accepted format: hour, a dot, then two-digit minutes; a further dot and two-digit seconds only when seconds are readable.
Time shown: 8.29
